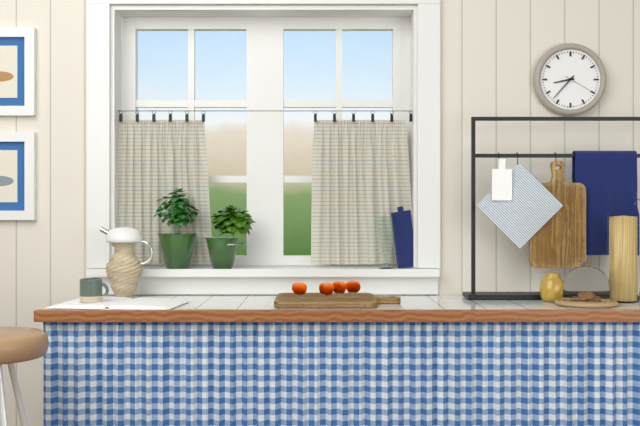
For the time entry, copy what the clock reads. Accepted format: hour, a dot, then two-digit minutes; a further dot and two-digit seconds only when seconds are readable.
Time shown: 8.37
